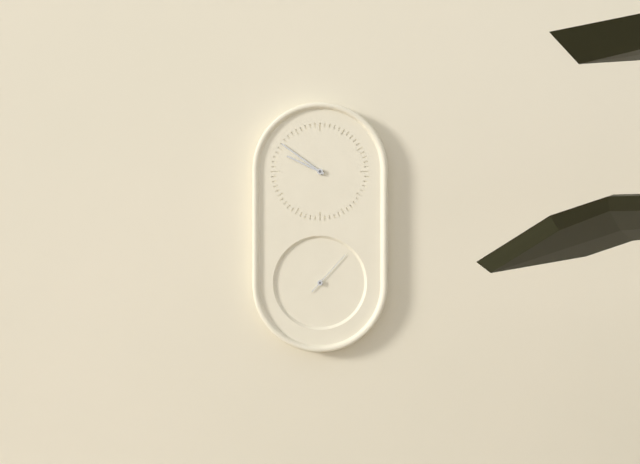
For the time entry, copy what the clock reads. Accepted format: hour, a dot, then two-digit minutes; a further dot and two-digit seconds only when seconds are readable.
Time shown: 9.51
